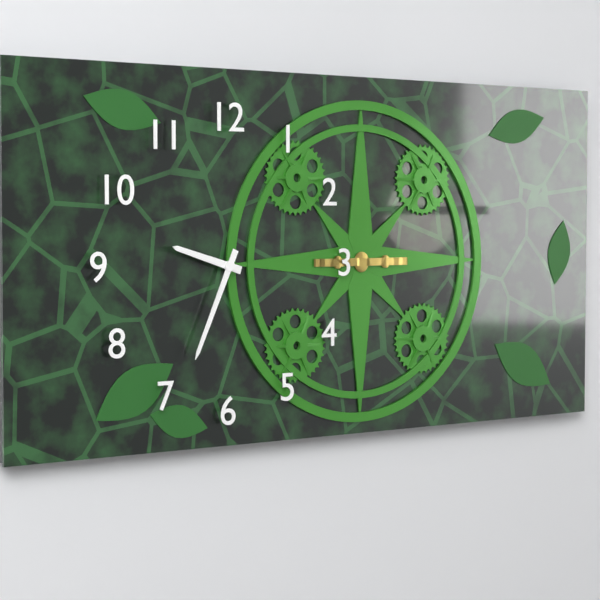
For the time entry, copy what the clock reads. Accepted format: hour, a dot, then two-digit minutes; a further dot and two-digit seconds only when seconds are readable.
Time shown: 9.34
